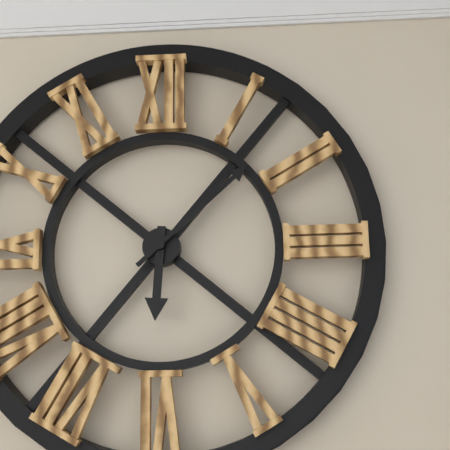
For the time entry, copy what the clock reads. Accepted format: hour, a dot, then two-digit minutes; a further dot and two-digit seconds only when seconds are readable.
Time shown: 6.08
